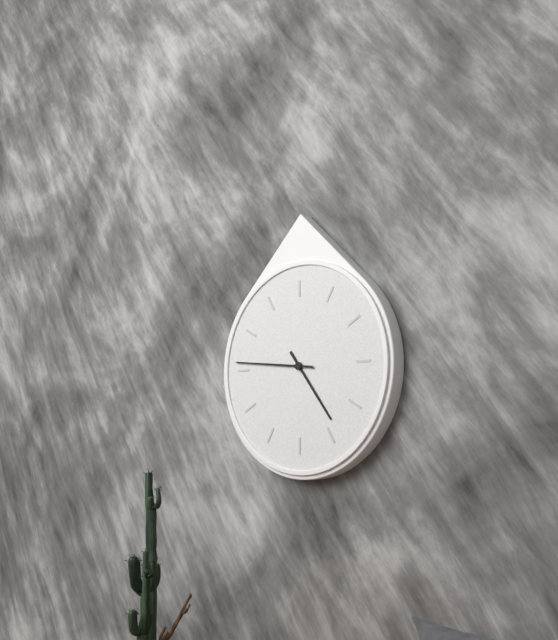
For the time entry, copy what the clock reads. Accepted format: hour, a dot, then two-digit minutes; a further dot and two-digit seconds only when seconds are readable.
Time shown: 4.46
